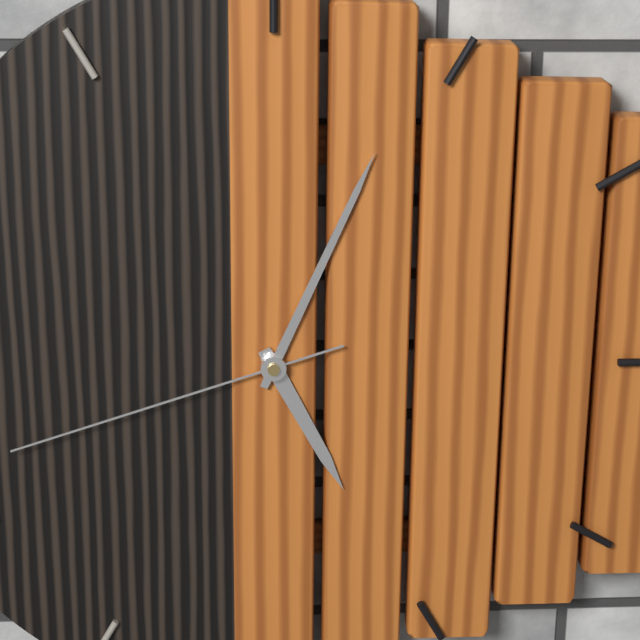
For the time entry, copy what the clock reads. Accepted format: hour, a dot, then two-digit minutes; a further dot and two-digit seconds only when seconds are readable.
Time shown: 5.04.42
